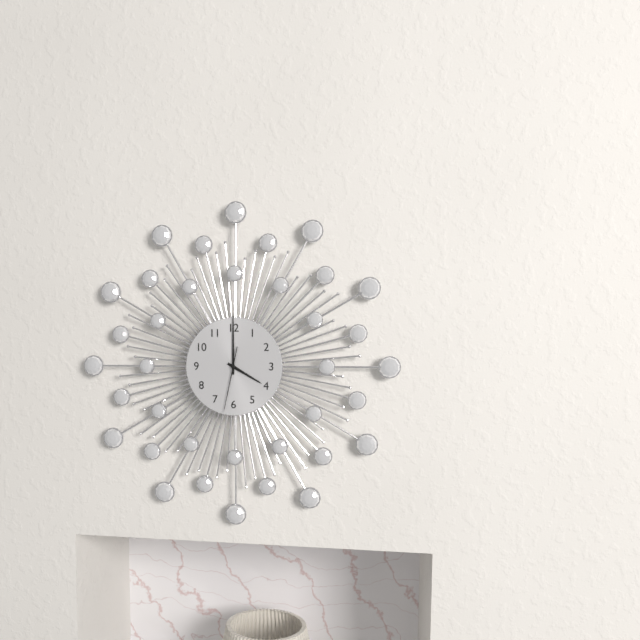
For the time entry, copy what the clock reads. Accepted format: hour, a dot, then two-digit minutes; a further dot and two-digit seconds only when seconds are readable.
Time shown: 4.00.32
